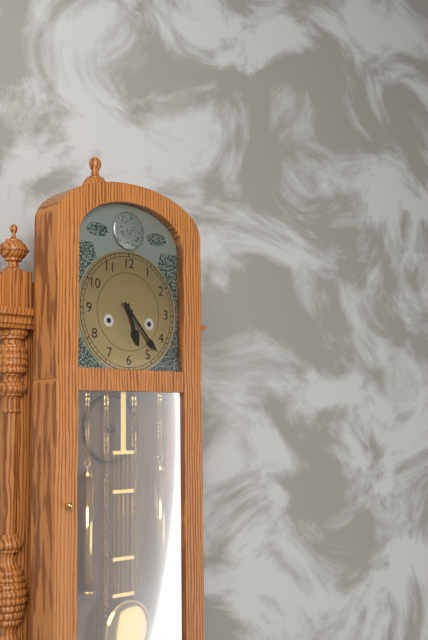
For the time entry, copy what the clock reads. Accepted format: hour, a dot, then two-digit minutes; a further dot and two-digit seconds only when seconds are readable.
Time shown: 5.23
